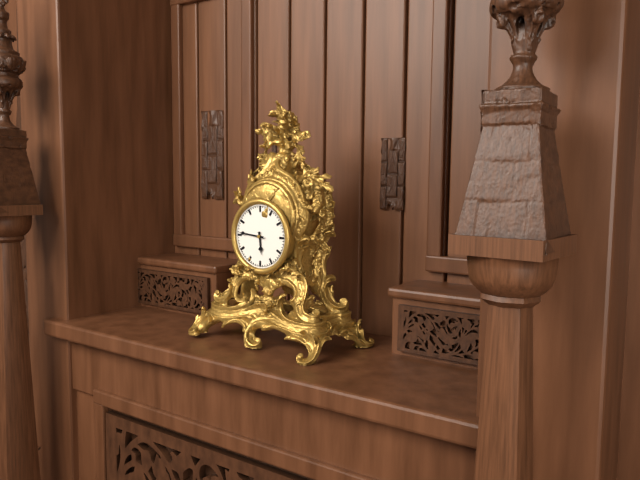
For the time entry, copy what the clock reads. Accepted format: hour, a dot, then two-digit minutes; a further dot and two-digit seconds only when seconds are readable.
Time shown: 5.46
